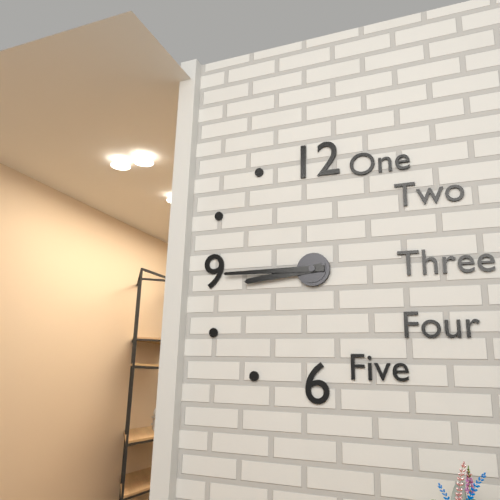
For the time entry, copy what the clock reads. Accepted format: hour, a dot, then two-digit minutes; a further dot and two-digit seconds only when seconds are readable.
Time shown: 8.45
